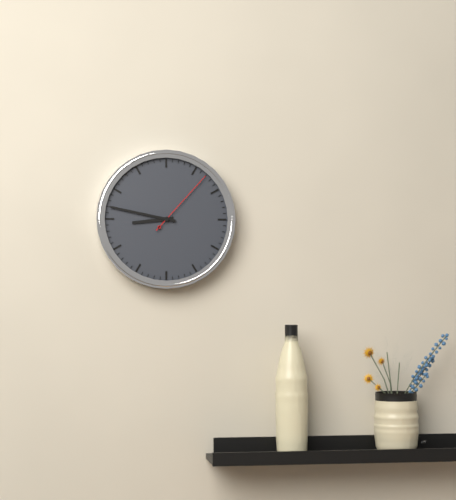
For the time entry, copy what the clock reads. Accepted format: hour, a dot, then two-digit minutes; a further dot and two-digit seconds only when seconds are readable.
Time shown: 8.47.07
